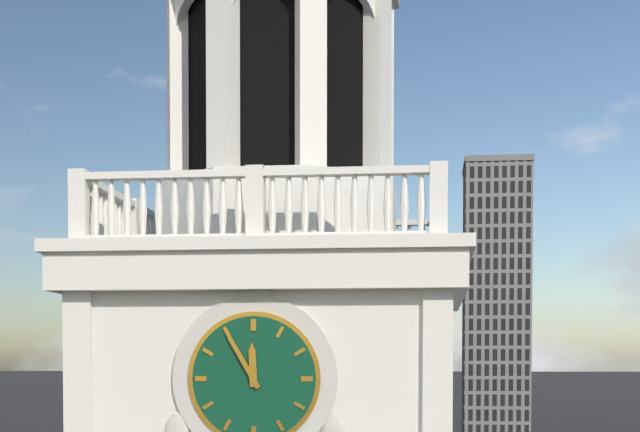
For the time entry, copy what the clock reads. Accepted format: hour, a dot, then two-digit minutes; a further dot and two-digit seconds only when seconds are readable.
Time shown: 11.55
